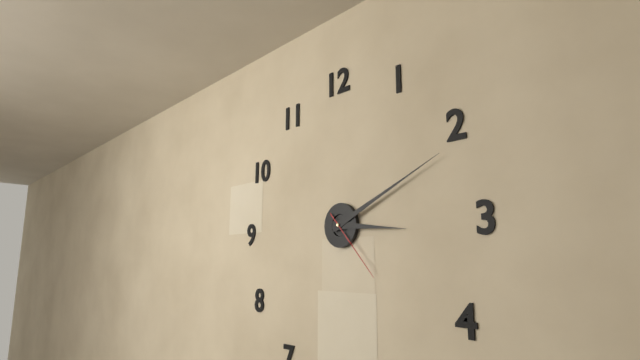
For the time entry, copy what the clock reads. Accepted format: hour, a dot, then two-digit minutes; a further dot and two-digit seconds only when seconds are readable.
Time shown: 3.11.23
